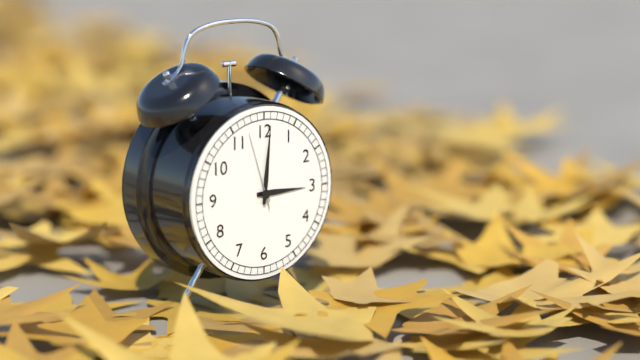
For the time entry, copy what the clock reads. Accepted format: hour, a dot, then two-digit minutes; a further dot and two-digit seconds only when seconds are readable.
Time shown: 3.01.57
